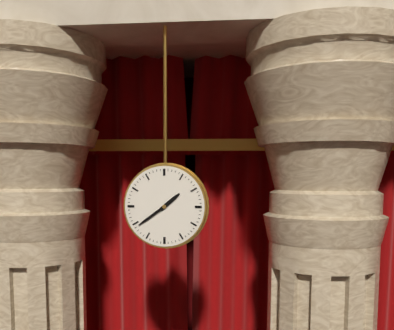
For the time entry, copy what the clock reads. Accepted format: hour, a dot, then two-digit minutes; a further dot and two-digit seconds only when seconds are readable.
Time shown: 1.39
